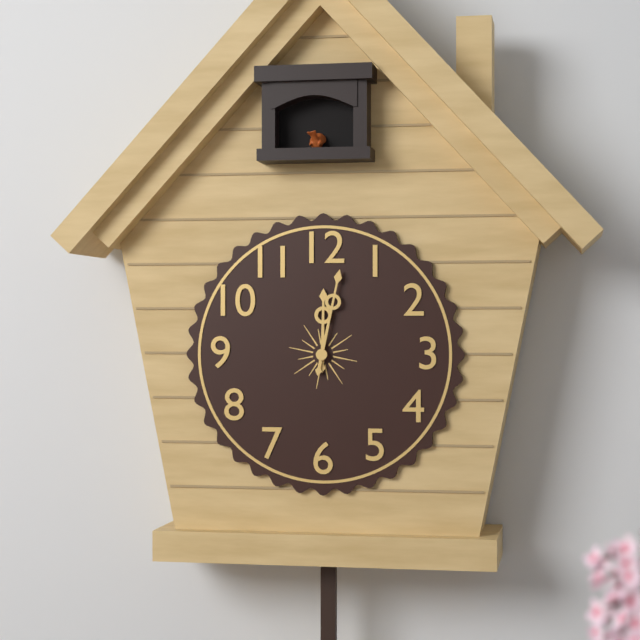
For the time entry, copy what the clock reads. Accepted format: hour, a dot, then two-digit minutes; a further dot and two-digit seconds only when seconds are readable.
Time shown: 12.02
